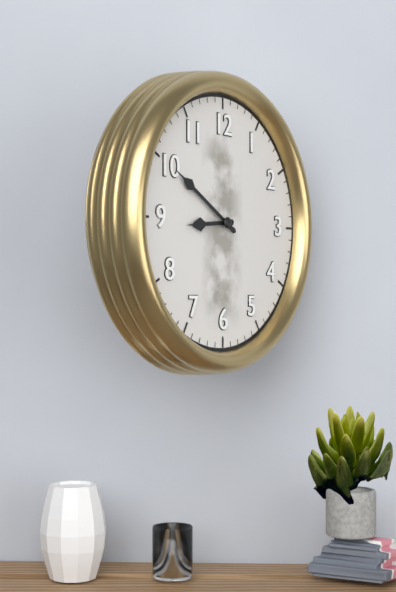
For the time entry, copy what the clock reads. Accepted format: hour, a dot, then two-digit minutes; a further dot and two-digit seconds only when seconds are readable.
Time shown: 8.50
